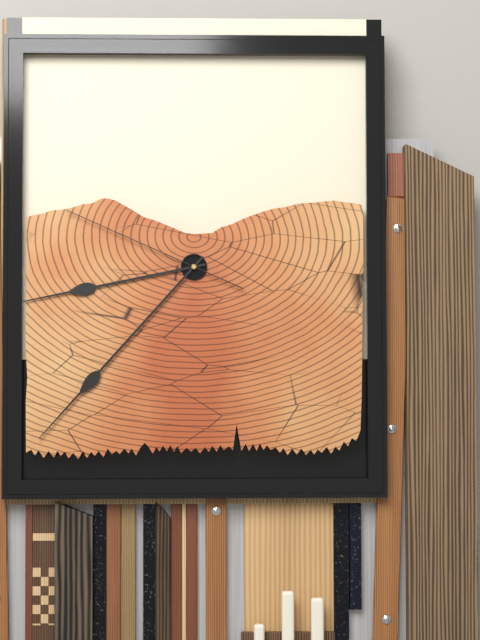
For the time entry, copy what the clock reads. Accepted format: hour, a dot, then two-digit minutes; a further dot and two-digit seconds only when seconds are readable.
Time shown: 8.37.49
